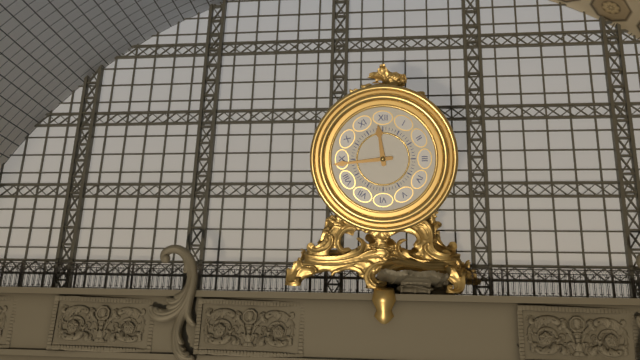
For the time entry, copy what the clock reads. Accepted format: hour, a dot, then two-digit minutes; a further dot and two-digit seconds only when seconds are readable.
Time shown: 11.44
